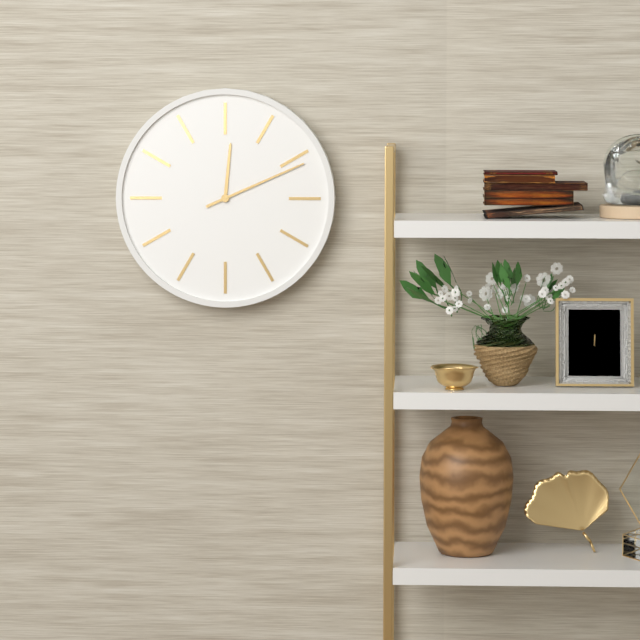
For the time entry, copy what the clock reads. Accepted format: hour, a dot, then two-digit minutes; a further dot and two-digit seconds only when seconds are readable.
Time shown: 12.11
